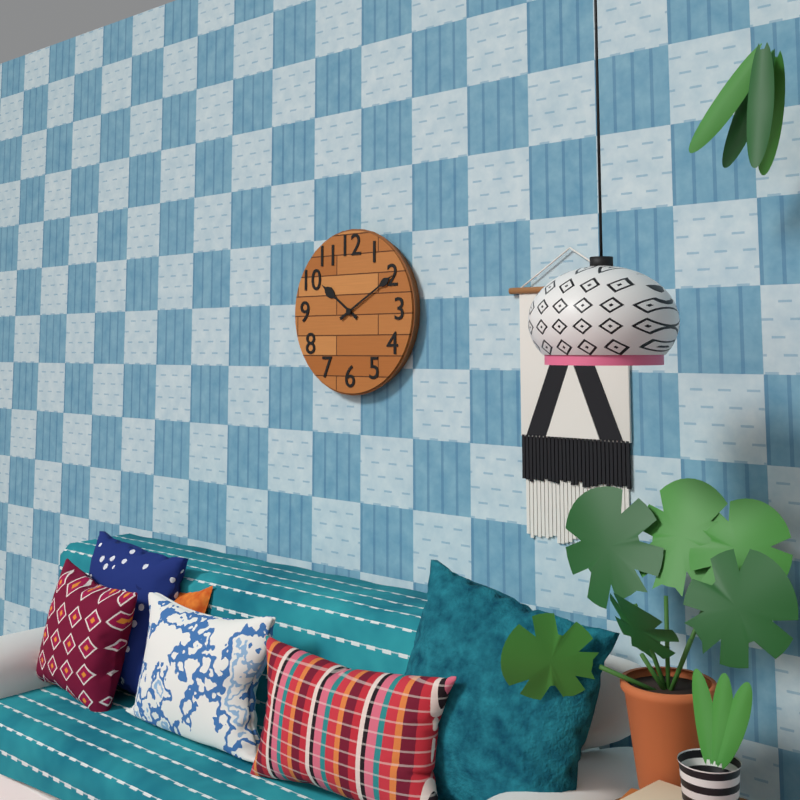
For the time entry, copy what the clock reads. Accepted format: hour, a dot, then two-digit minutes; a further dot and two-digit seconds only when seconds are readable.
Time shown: 10.10
